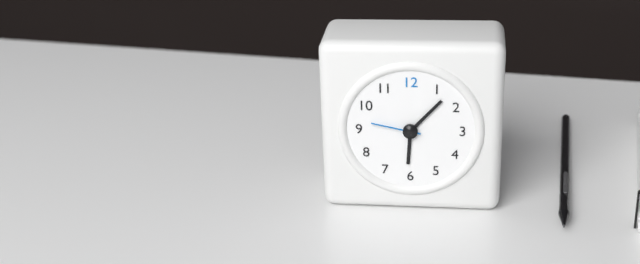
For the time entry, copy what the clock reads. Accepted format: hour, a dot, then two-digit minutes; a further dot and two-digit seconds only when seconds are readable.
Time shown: 6.07.47
